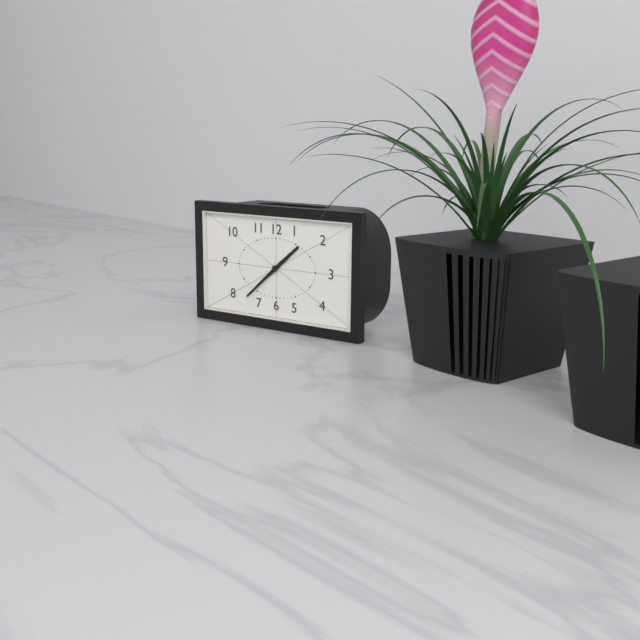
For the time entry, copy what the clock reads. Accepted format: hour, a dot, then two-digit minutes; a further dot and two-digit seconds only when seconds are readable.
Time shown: 1.38
